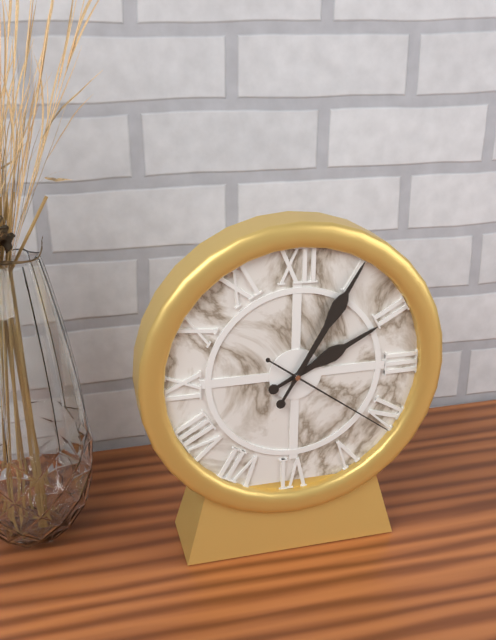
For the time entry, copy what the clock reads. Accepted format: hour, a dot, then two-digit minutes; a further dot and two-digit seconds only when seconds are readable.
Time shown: 2.05.21
